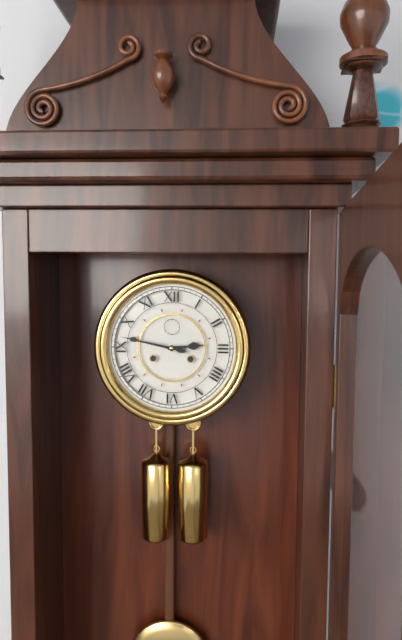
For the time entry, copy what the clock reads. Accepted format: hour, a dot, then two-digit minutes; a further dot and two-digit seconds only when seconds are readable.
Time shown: 2.47
